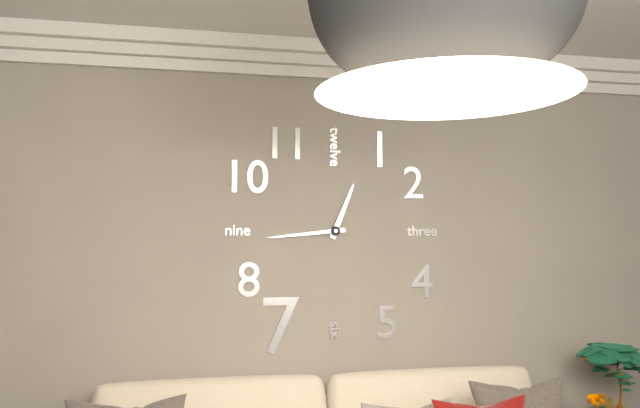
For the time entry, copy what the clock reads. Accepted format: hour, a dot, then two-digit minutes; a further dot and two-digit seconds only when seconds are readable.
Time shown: 12.44
